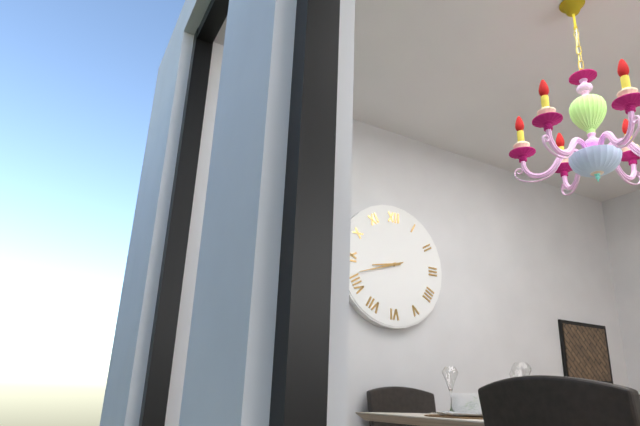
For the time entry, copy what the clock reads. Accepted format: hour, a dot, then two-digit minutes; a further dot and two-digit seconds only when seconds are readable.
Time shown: 8.42
